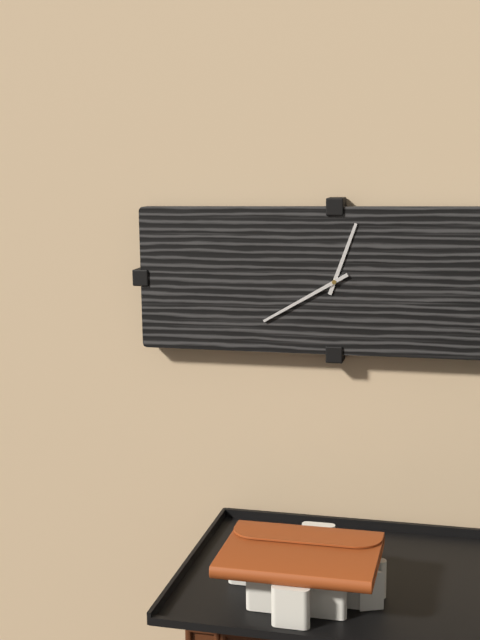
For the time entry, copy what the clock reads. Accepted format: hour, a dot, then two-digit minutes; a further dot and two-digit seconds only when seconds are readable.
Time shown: 12.40
